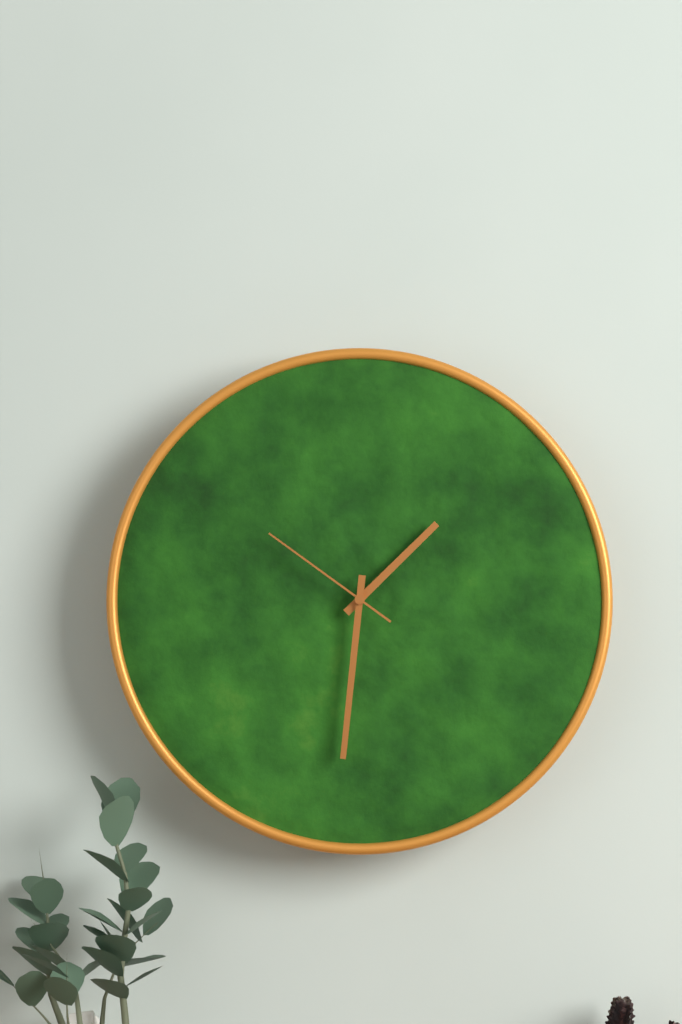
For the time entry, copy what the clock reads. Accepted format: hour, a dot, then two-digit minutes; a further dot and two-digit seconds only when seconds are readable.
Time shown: 1.31.51
